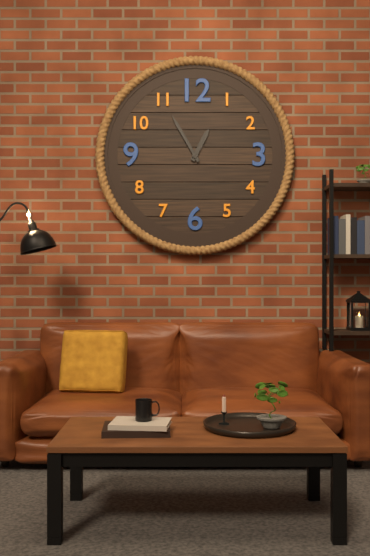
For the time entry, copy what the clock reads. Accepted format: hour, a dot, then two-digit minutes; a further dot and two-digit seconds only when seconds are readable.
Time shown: 12.55
